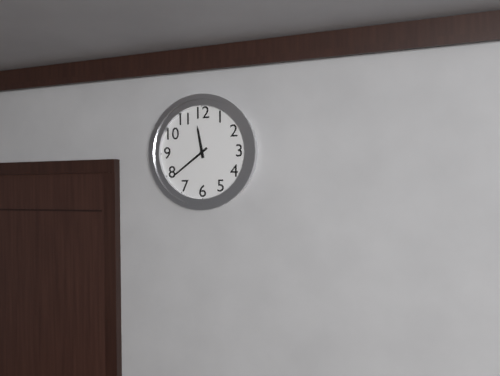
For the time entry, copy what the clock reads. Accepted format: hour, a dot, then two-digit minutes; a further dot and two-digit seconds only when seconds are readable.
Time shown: 11.39
